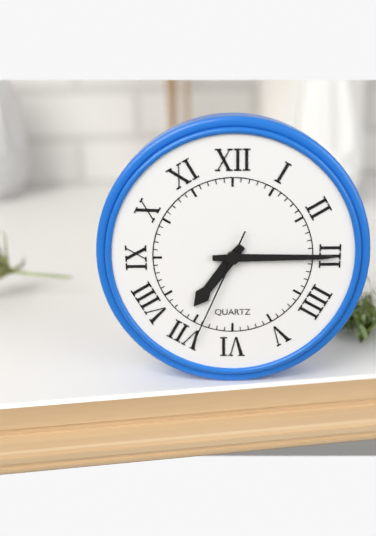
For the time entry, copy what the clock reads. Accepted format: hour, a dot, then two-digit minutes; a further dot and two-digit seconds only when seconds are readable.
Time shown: 7.15.34
